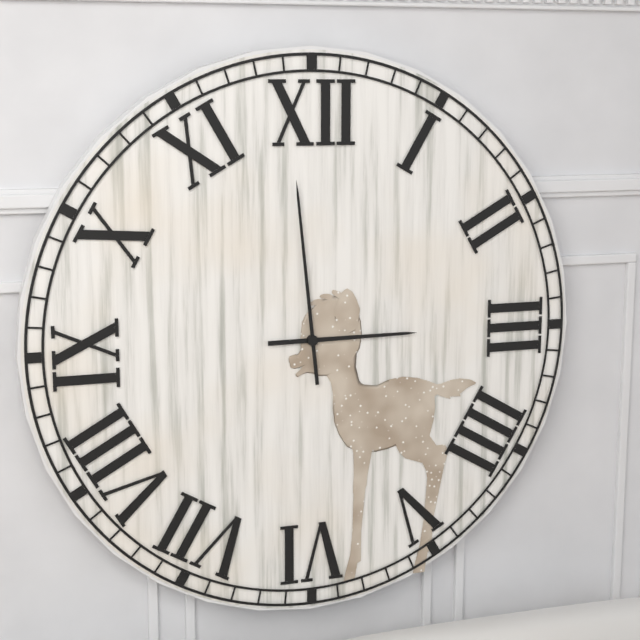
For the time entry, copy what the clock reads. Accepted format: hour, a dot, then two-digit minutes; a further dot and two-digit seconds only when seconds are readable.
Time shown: 2.59
